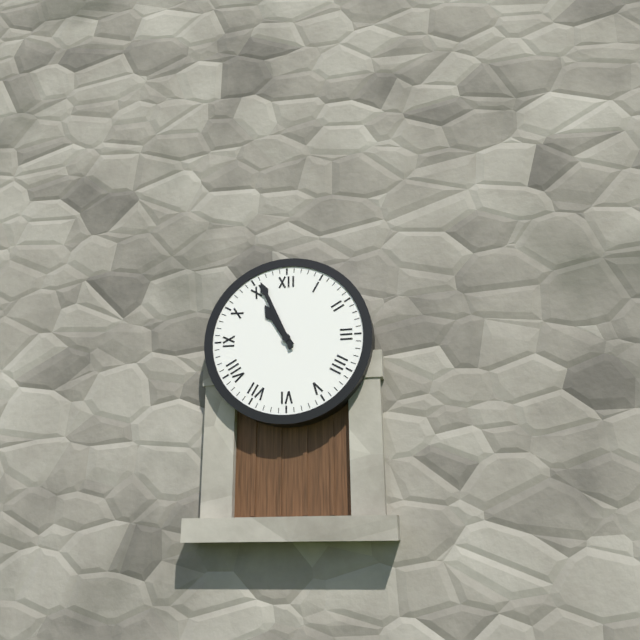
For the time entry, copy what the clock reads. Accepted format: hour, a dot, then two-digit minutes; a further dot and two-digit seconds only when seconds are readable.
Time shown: 10.56
